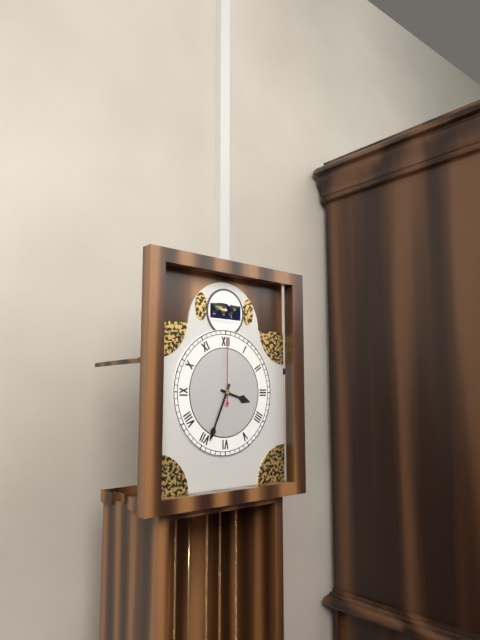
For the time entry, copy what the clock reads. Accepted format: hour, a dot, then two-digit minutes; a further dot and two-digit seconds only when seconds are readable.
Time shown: 3.34.00
